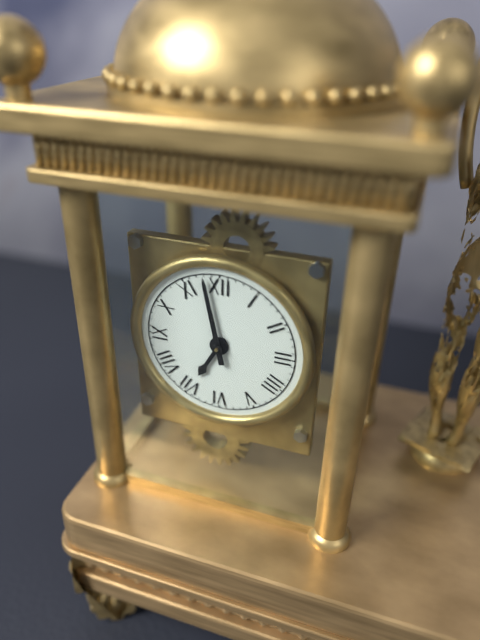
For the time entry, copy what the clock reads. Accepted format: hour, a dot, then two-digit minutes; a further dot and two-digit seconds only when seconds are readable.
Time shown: 6.58
